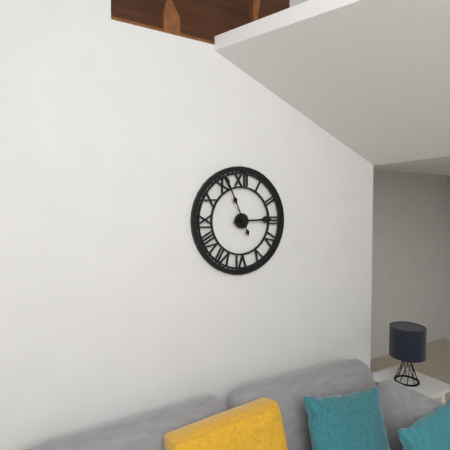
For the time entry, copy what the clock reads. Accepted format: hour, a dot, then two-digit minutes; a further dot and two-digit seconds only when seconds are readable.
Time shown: 2.56
